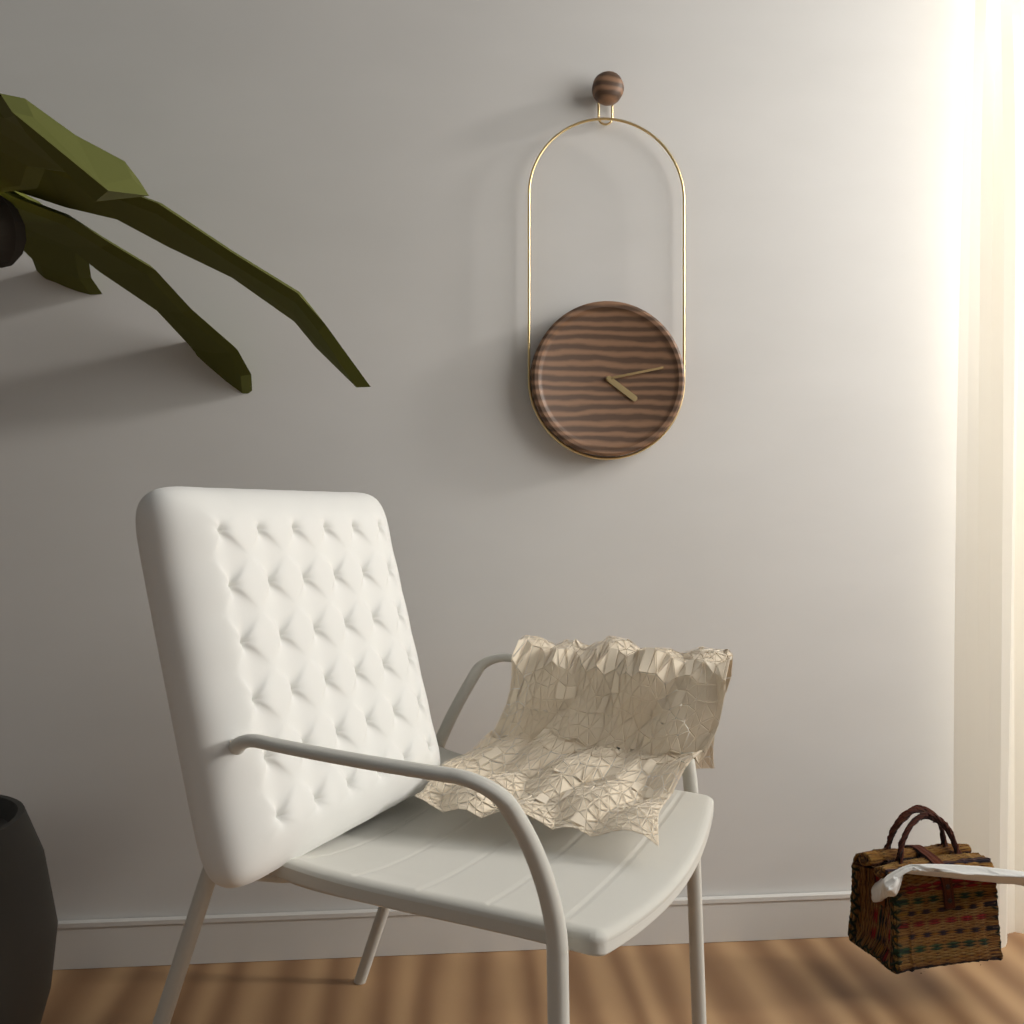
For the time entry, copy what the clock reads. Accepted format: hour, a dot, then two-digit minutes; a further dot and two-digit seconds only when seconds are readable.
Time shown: 4.13
